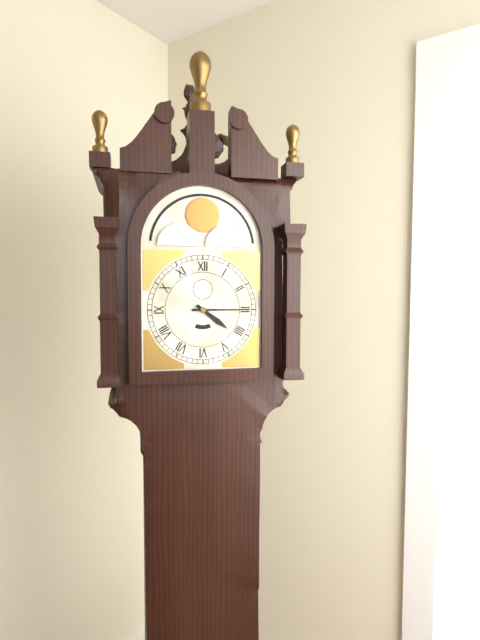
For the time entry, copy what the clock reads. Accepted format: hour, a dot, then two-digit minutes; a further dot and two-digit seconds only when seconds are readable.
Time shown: 4.15
